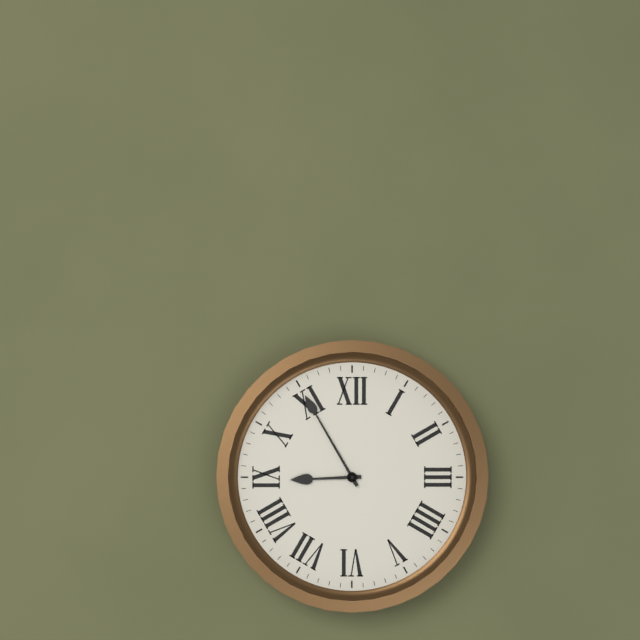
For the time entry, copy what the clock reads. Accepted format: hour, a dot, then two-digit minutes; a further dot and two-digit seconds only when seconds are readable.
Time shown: 8.55
